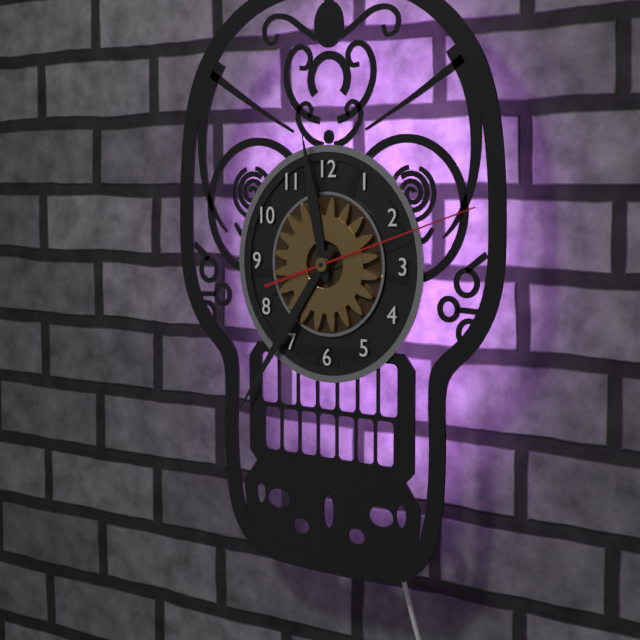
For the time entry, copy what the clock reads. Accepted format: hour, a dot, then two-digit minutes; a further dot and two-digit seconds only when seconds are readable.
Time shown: 11.36.12
